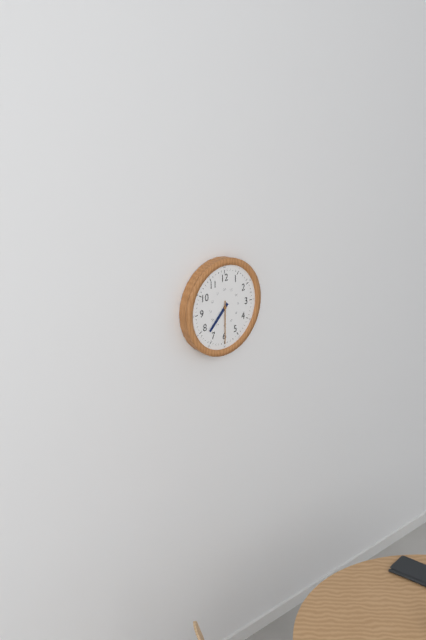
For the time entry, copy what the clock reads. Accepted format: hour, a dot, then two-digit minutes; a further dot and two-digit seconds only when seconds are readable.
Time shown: 7.30
